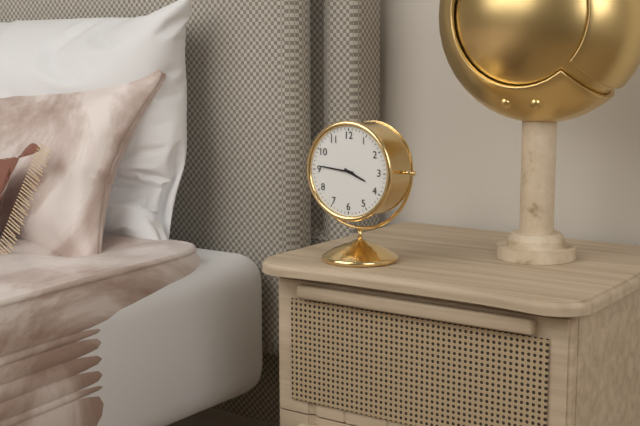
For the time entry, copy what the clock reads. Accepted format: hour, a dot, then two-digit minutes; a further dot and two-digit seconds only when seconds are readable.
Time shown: 3.46
